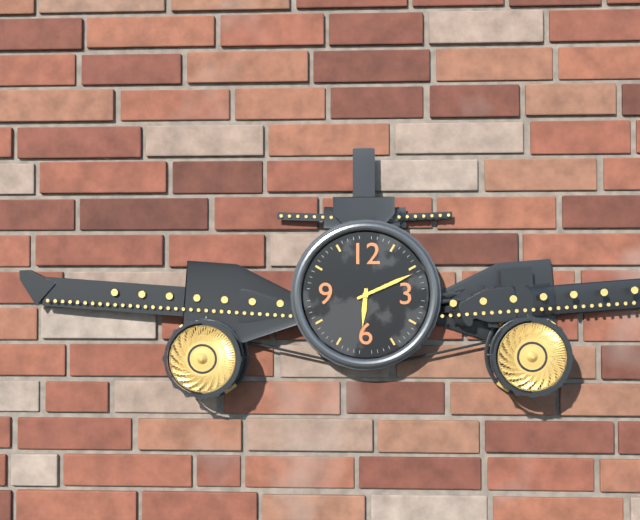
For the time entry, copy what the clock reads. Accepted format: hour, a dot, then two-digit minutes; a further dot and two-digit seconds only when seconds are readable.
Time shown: 6.11
